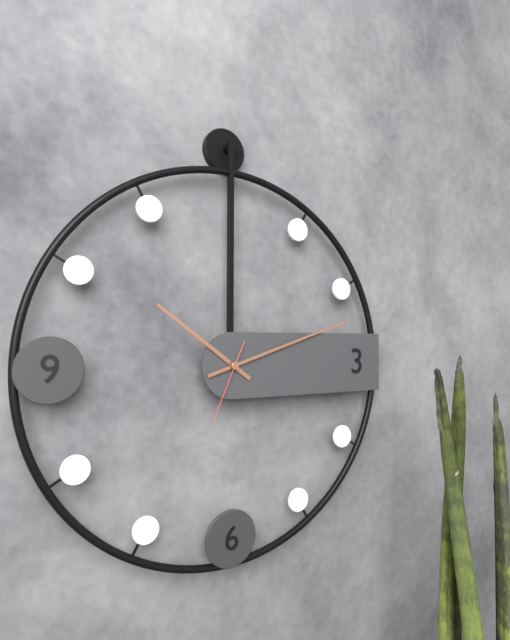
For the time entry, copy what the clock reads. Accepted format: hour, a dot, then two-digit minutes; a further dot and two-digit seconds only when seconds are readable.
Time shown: 10.12.34
